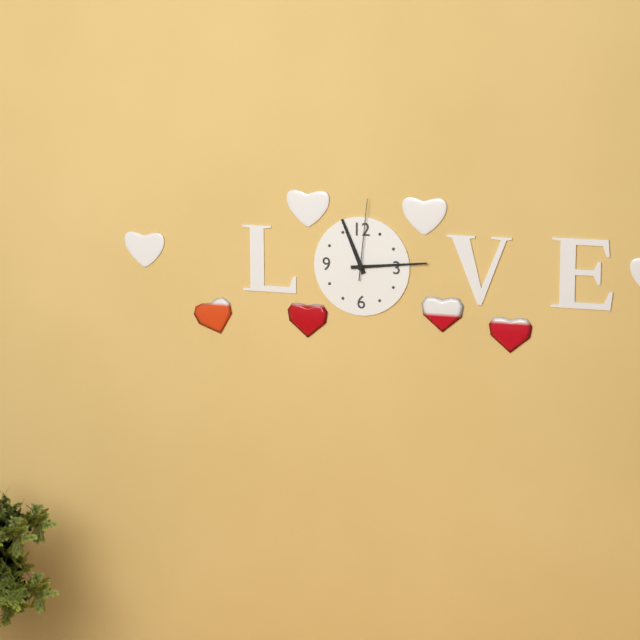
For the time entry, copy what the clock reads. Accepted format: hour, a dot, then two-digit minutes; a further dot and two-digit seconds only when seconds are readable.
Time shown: 11.14.01
